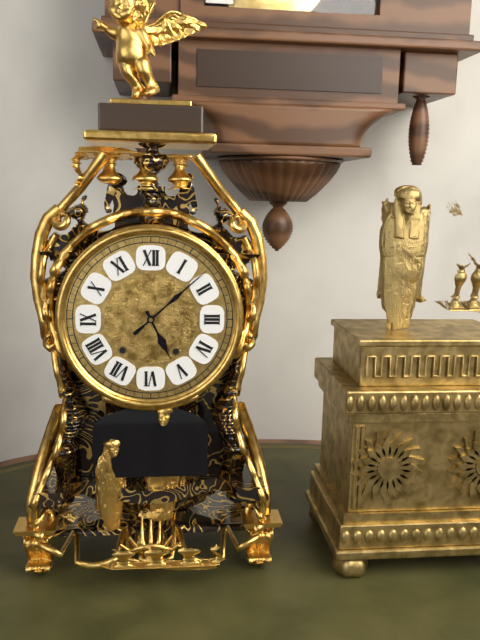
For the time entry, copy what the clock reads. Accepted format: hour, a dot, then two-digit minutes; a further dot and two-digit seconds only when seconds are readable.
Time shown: 5.08
